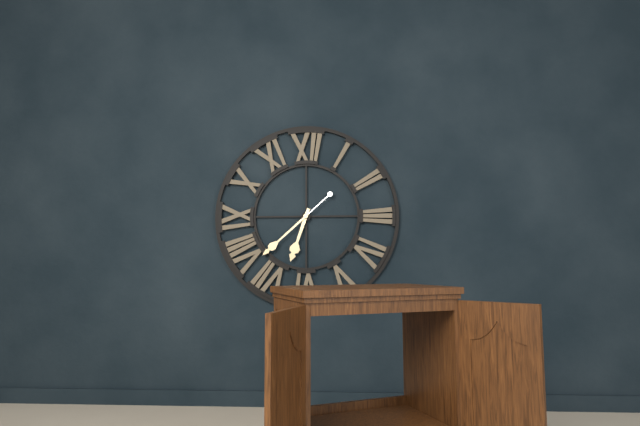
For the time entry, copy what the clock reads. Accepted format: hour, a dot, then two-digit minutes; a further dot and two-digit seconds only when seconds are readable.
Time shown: 6.38
